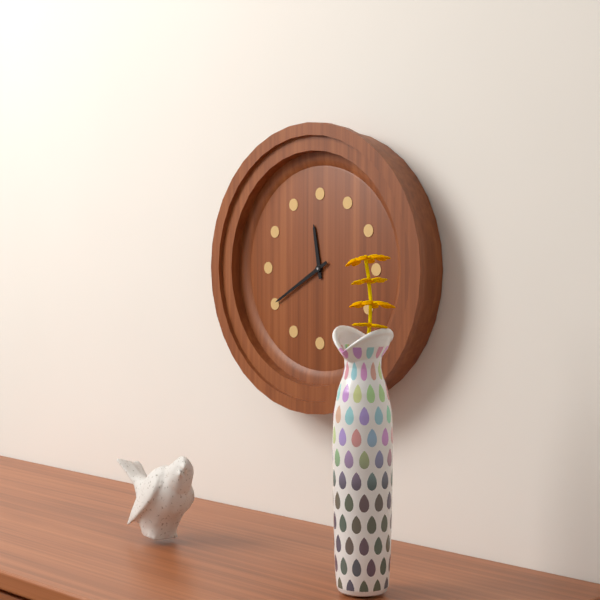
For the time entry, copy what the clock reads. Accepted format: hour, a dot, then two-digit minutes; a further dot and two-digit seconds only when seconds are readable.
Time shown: 11.40
